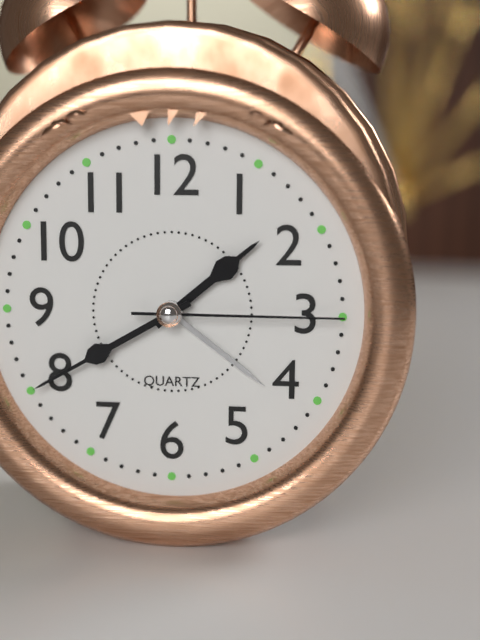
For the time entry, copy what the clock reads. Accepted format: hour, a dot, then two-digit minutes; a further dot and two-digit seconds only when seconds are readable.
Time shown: 1.40.15
